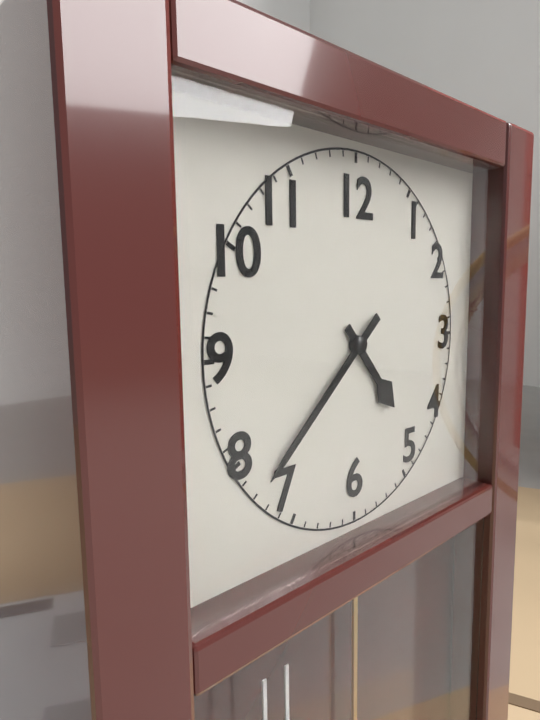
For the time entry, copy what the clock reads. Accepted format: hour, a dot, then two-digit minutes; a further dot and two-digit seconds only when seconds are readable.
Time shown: 4.38
